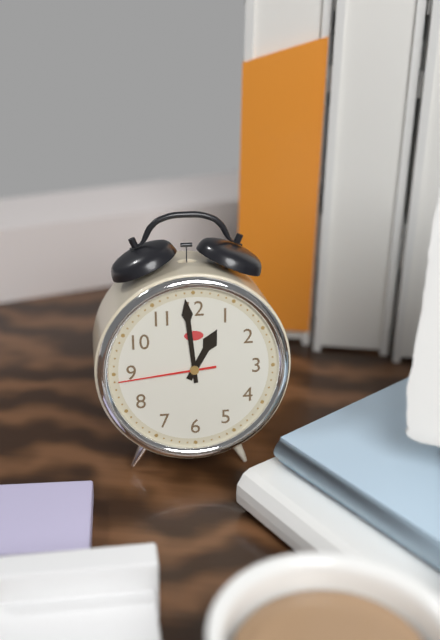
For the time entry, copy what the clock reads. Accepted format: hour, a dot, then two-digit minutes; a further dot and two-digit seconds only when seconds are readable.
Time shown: 12.59.44
